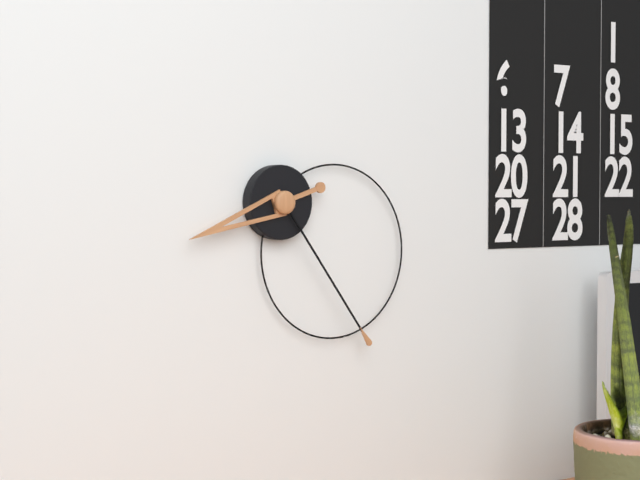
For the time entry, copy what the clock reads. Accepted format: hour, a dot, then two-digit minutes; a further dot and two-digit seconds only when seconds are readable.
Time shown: 8.24
